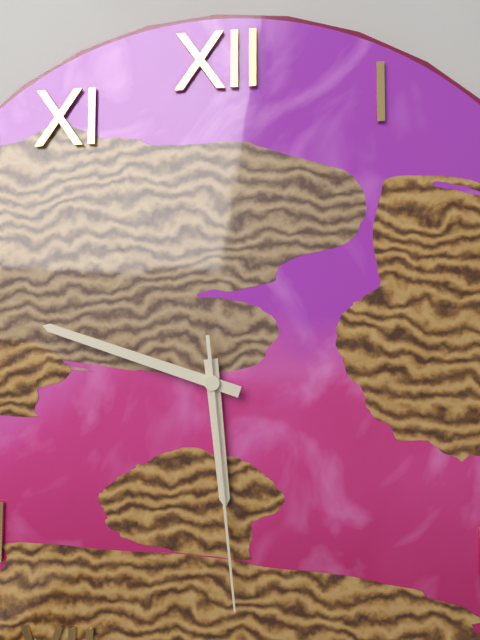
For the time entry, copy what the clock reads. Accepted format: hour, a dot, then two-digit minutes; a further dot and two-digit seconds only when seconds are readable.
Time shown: 5.48.29
